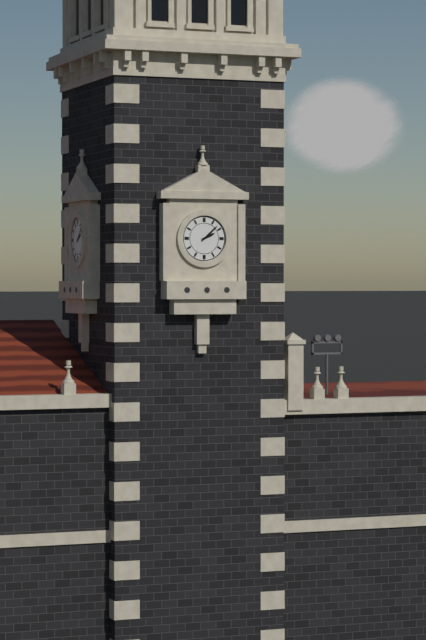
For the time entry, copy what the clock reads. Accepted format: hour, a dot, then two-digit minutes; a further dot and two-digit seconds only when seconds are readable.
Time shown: 2.08
